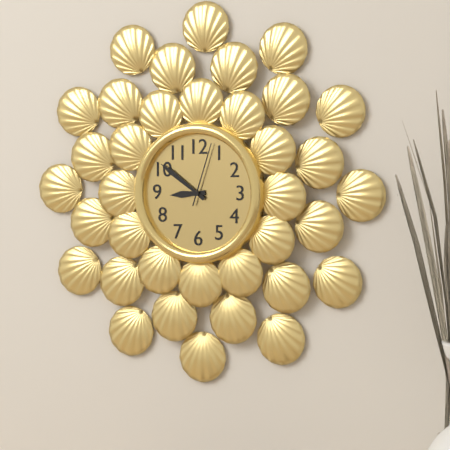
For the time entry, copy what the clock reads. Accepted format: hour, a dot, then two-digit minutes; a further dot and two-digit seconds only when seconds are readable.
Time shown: 8.51.03
